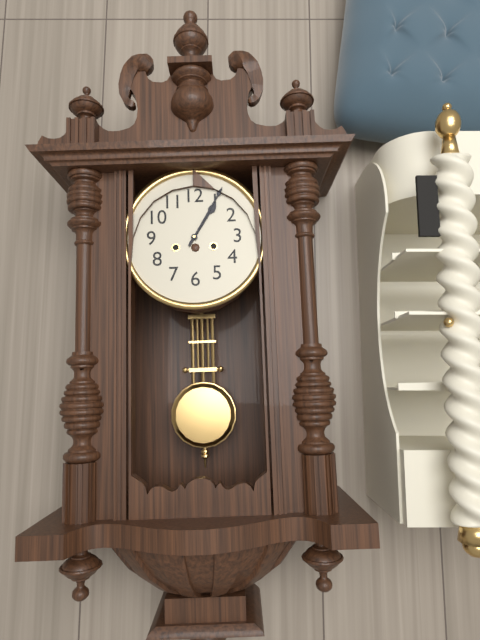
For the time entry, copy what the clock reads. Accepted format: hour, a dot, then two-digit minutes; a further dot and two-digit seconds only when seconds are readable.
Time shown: 1.05
